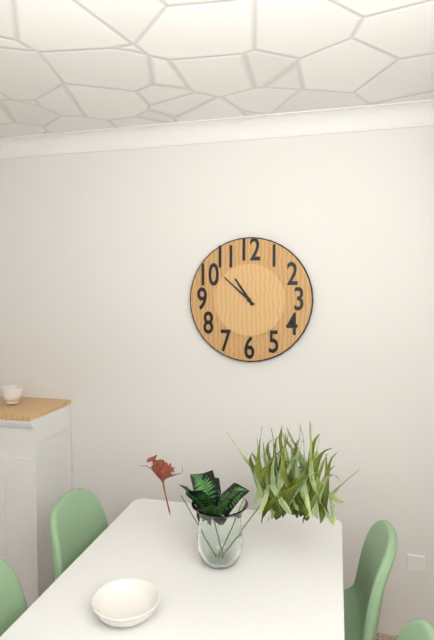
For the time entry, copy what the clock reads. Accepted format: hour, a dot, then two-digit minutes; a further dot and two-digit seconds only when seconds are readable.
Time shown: 10.52
